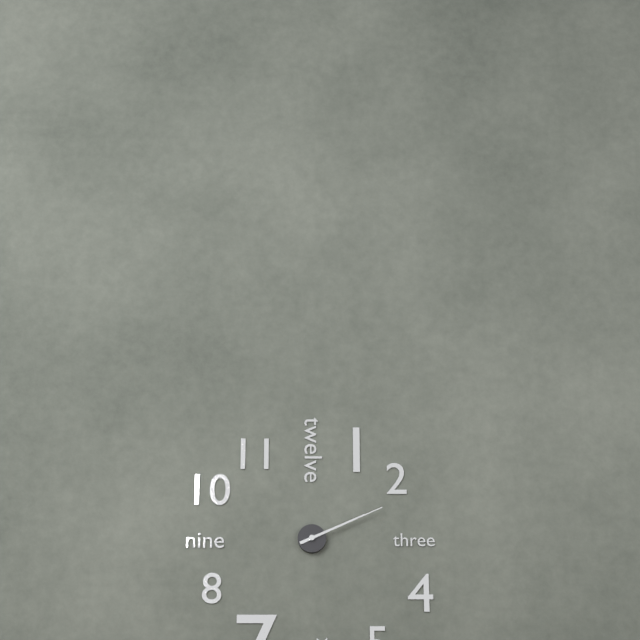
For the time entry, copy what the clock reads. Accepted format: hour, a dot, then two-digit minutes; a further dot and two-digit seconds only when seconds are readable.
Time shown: 2.11
